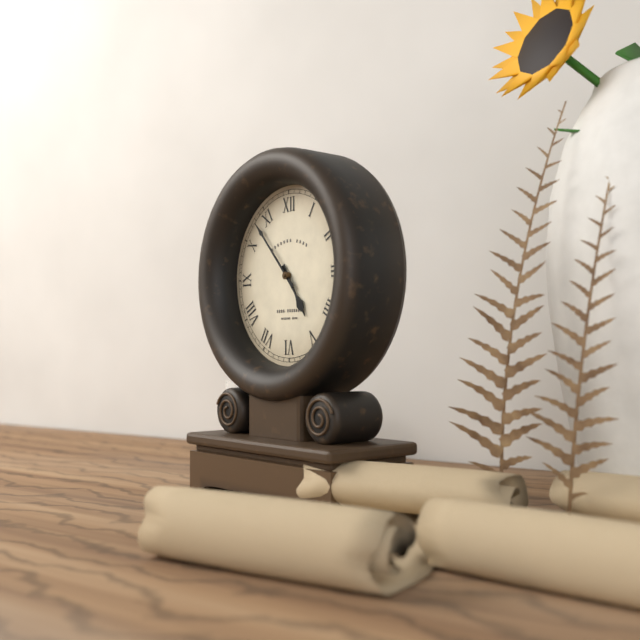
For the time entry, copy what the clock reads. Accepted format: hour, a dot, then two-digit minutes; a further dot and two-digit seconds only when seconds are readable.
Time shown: 4.53
